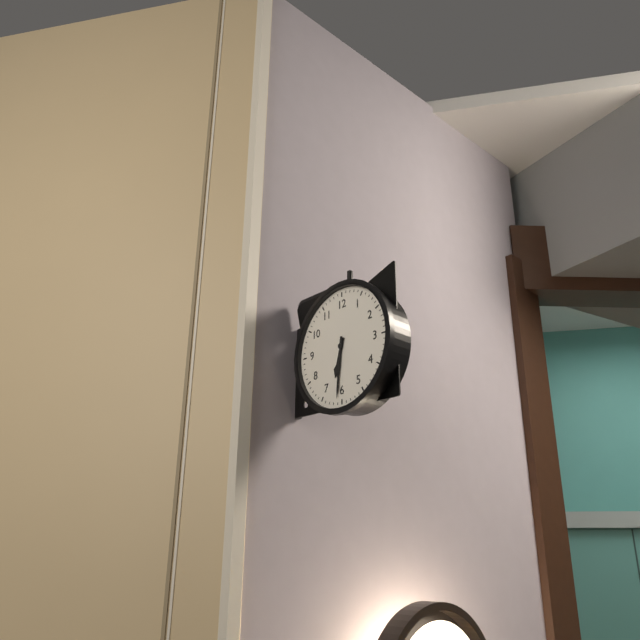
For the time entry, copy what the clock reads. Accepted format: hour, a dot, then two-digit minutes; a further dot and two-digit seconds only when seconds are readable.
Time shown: 6.31
